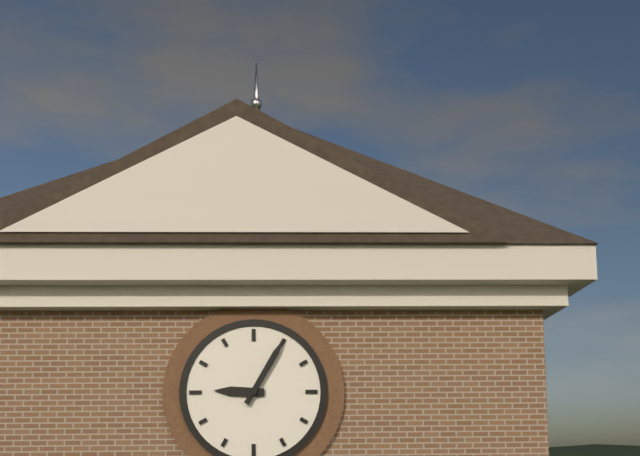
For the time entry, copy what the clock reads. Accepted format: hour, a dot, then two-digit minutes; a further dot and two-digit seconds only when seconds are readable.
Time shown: 9.05
